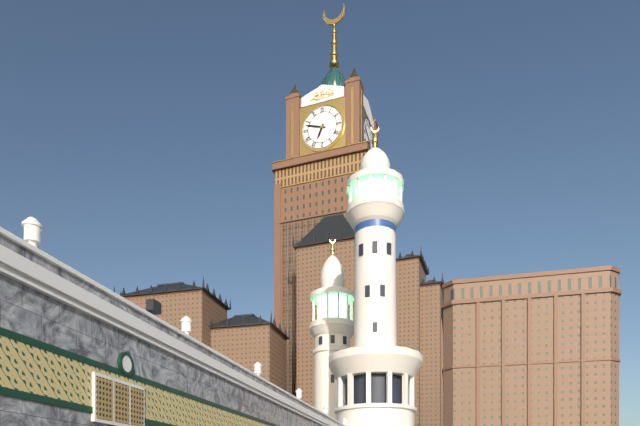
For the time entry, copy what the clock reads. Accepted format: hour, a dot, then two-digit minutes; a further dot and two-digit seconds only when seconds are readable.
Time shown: 6.48
